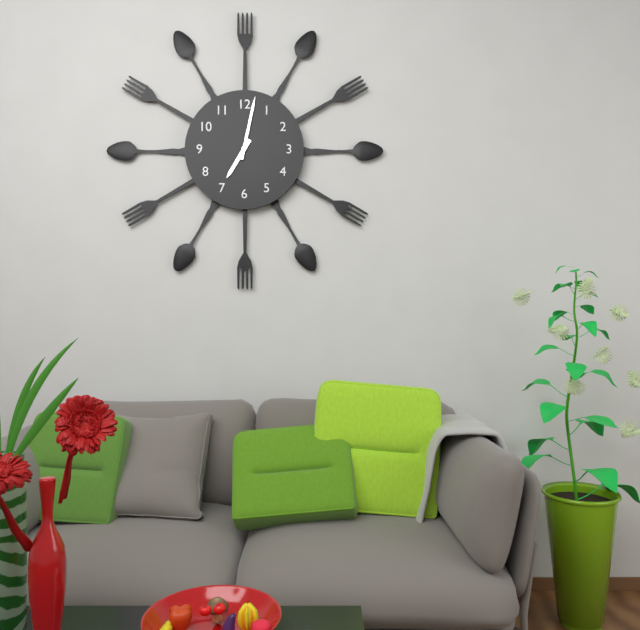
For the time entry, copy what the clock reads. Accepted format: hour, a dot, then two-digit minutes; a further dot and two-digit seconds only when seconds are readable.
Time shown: 7.02
